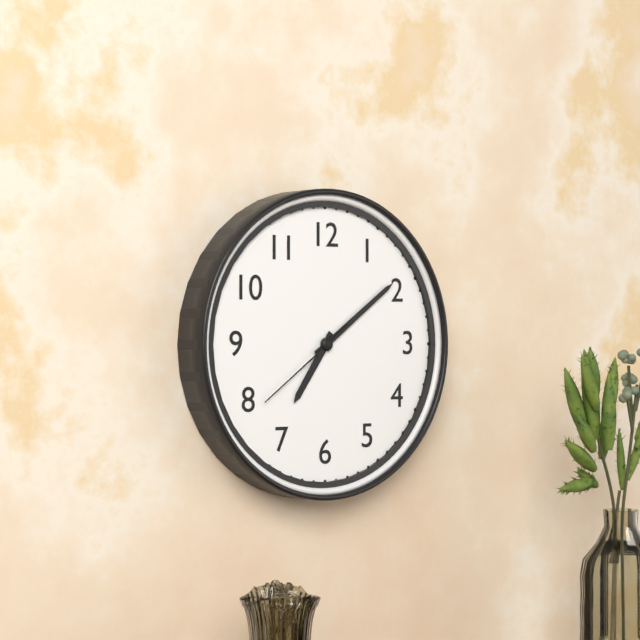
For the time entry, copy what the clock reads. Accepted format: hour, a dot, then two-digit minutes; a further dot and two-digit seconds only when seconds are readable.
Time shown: 7.09.39
